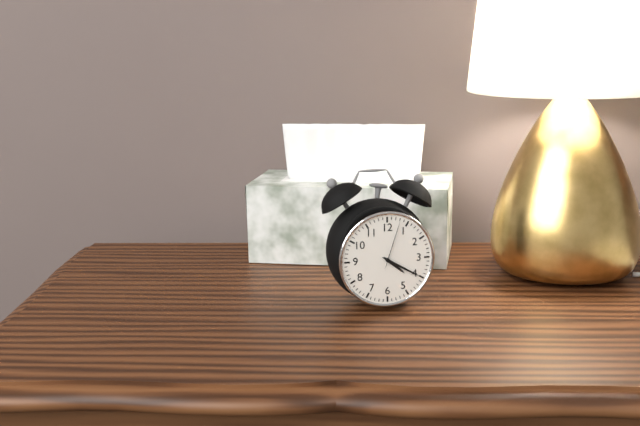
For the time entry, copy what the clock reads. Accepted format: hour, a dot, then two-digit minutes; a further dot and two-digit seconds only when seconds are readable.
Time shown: 4.20.03
